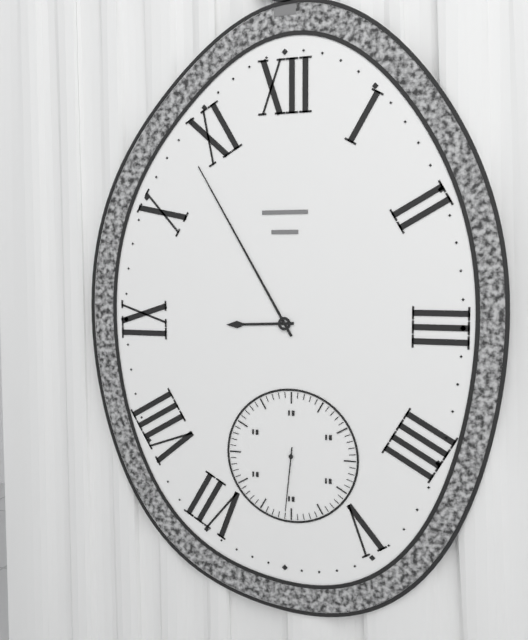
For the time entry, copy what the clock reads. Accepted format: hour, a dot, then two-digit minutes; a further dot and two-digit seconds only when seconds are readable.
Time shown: 8.55.31
